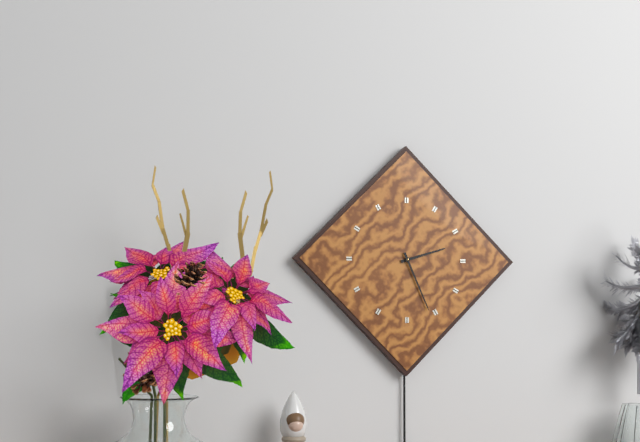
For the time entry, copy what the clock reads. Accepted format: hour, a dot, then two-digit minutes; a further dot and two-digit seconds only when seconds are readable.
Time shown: 2.26
